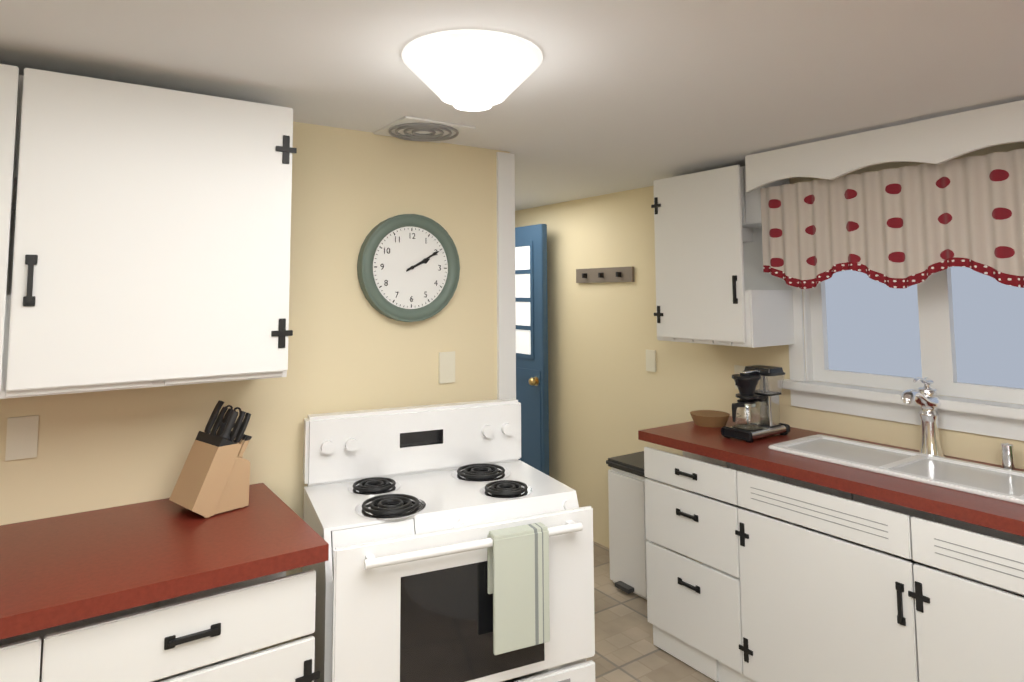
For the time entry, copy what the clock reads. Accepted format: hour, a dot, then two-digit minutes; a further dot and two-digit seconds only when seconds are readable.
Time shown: 2.10
